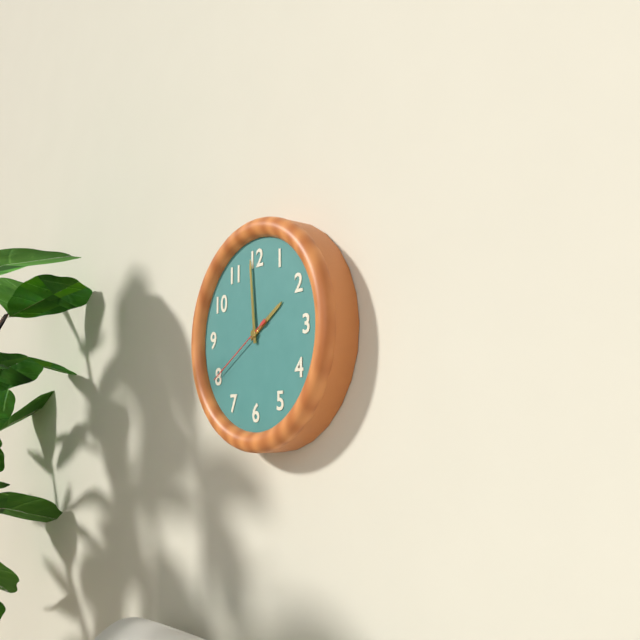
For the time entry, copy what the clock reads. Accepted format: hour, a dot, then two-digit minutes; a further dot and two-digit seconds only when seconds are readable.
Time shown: 1.59.40
